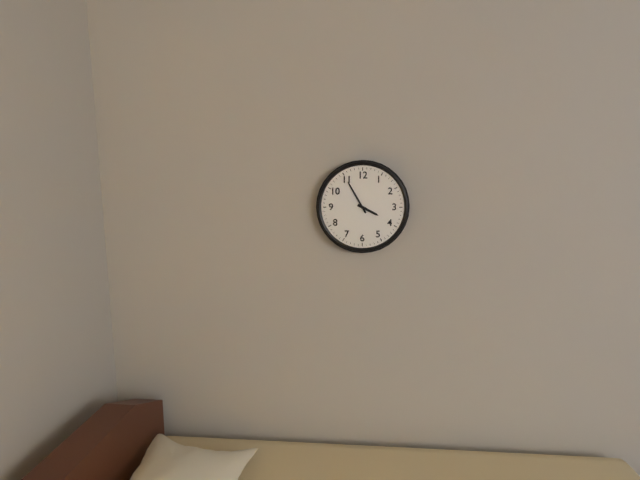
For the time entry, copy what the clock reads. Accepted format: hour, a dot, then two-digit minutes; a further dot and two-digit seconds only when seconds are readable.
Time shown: 3.55
